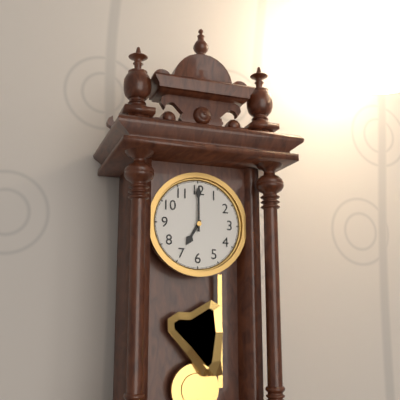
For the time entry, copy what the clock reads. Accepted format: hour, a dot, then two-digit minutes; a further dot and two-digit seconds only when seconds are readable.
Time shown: 7.00
